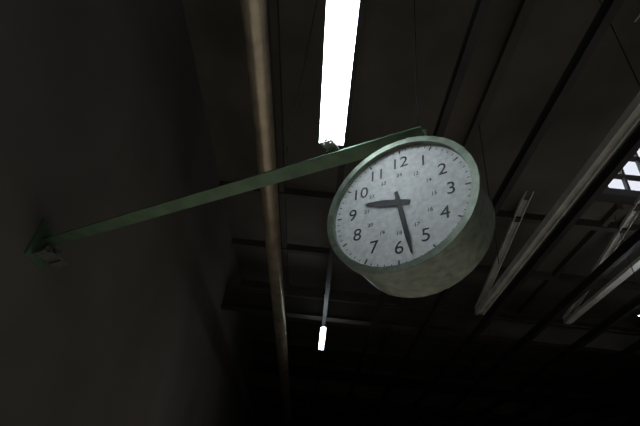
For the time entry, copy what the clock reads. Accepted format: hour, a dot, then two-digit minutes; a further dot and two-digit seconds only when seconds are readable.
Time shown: 9.28
